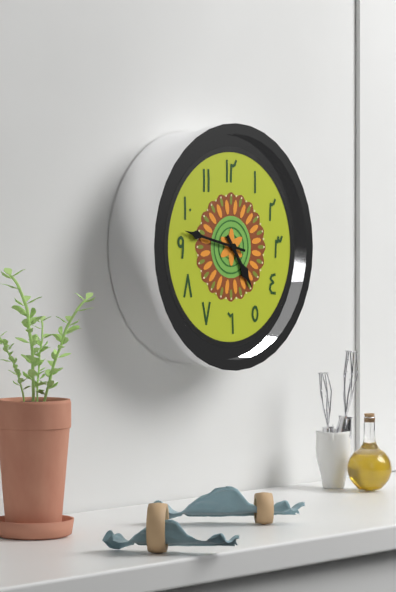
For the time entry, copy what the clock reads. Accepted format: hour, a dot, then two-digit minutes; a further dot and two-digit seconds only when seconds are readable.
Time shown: 4.47
